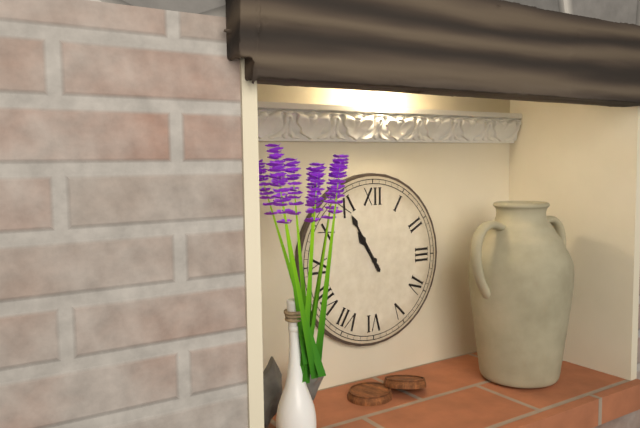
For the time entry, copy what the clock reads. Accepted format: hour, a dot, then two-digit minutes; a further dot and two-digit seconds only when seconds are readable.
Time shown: 10.55
